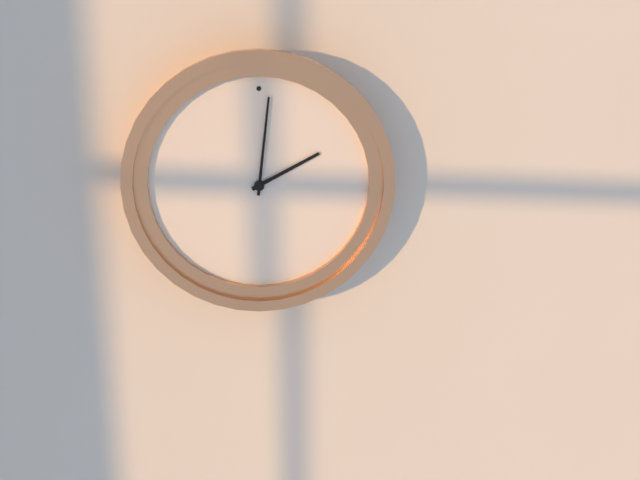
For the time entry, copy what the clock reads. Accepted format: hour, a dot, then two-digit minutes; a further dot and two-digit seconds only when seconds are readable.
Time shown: 2.01
